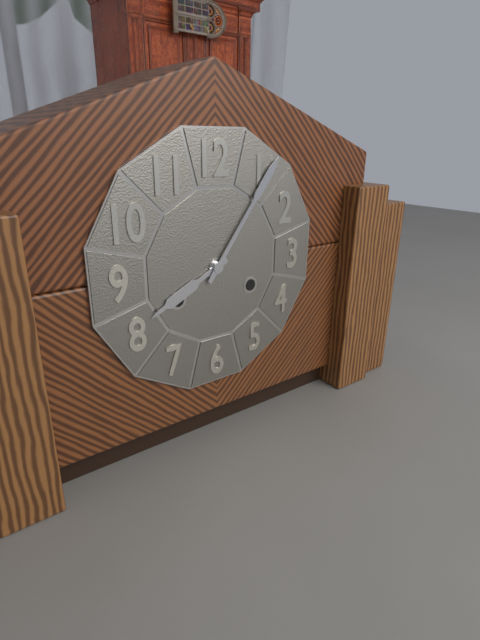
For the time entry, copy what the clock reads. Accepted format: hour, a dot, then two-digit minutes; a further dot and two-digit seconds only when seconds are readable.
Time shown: 8.06
